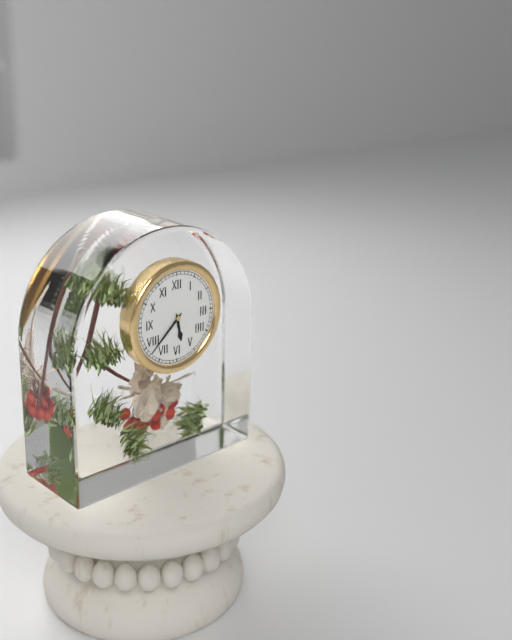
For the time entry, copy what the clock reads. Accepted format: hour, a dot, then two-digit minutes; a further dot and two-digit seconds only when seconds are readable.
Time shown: 5.38
